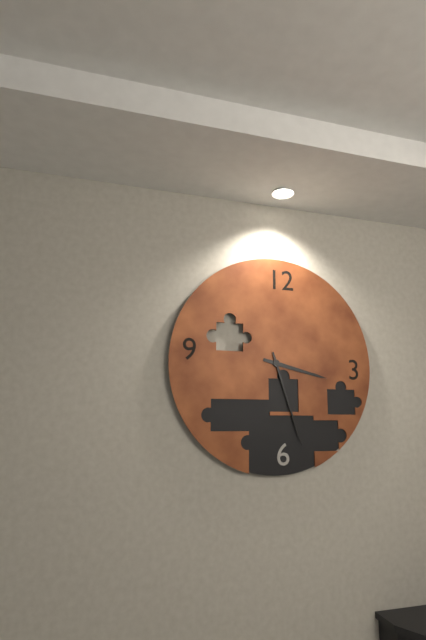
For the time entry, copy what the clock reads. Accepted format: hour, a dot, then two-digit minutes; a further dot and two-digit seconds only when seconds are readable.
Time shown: 3.27
